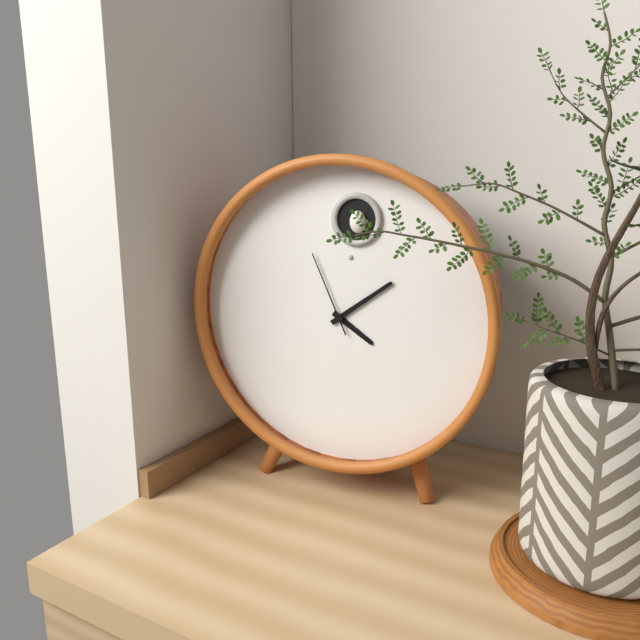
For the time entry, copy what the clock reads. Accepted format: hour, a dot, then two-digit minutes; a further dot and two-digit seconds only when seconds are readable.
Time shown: 4.09.56
